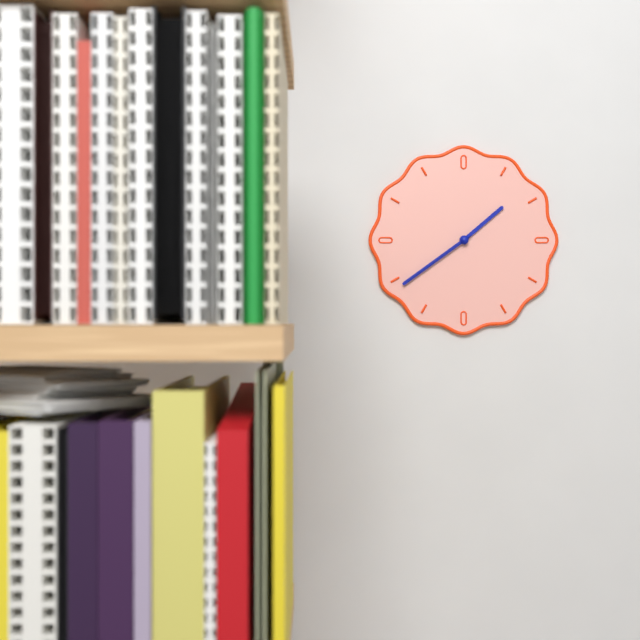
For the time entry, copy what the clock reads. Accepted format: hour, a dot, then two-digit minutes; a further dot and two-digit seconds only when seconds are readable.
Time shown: 1.39.39
